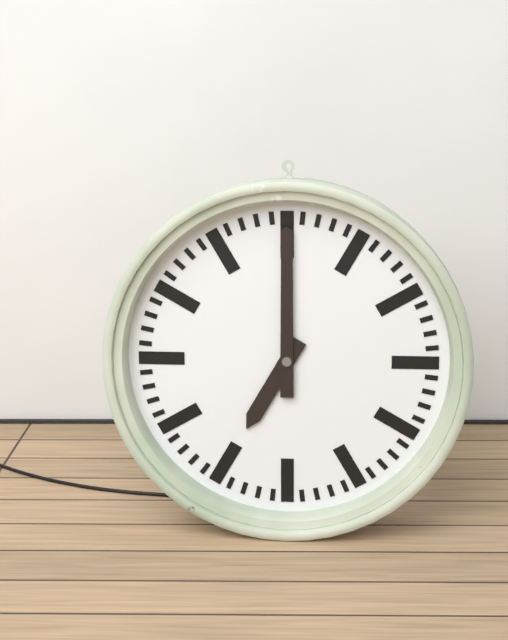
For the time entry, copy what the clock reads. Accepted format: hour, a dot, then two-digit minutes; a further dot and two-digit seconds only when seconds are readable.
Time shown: 7.00
